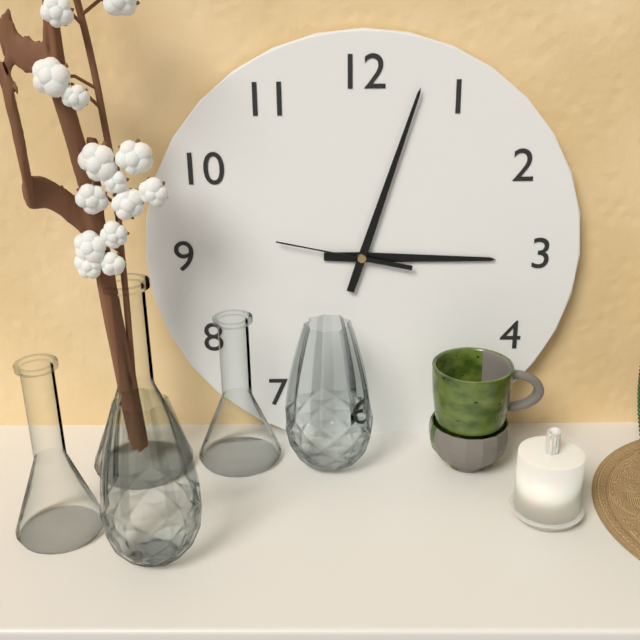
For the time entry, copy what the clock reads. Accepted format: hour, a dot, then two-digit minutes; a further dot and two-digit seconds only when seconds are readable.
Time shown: 3.03.47
